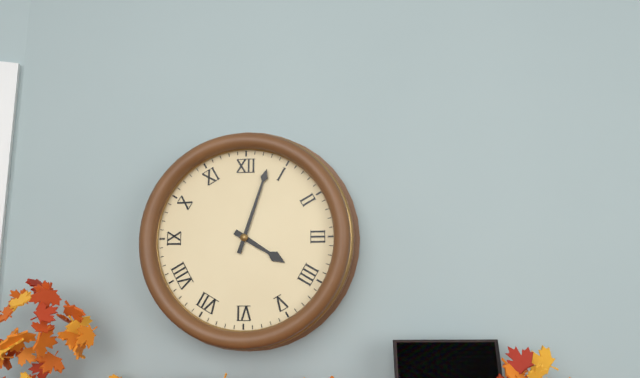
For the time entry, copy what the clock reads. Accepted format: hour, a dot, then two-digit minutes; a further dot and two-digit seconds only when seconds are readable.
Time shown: 4.03
